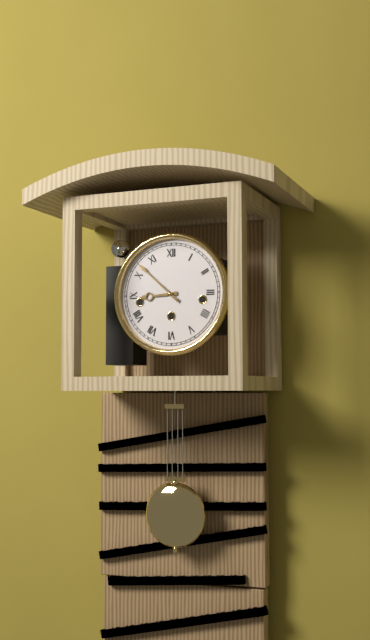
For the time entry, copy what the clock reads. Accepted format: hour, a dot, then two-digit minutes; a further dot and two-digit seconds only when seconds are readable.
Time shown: 8.52
